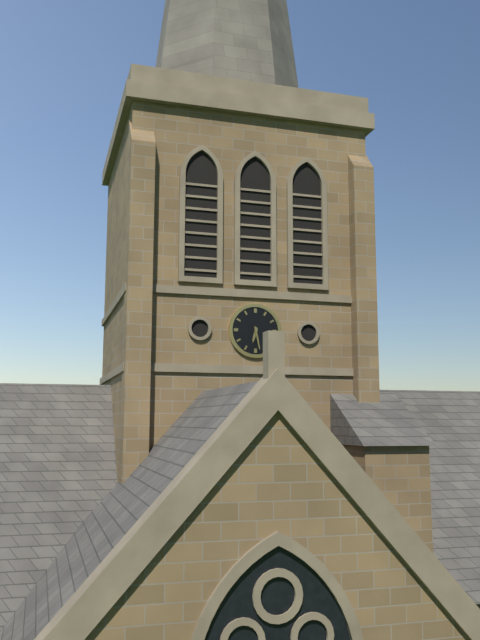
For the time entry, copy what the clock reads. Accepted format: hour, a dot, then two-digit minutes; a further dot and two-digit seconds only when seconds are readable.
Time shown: 6.28
